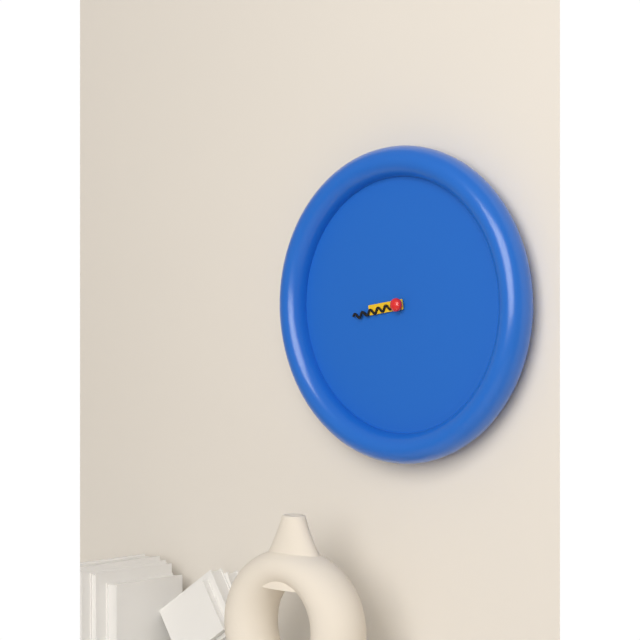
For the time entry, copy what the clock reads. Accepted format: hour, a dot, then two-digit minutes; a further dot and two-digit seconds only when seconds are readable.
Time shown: 8.43
